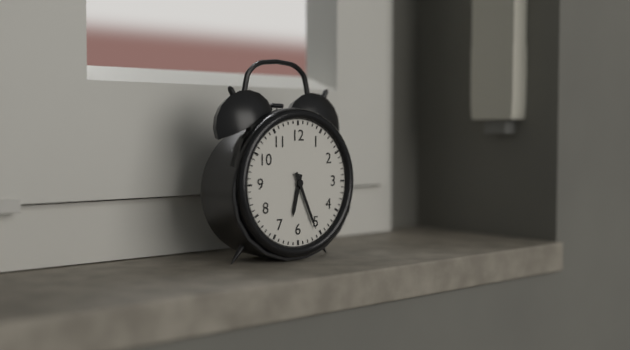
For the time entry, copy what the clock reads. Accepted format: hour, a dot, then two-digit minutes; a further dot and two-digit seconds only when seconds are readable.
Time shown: 6.26
